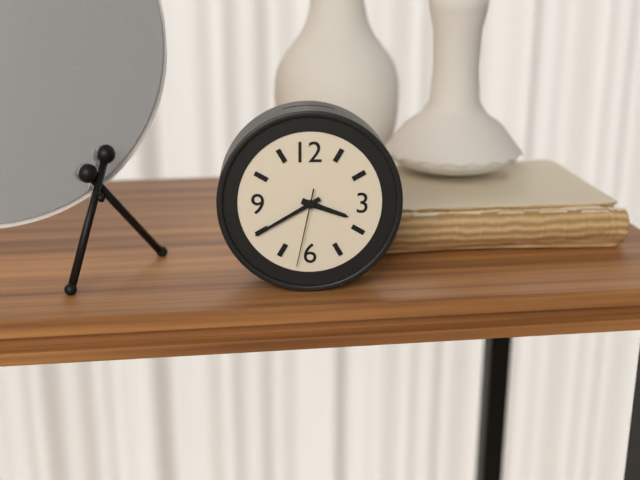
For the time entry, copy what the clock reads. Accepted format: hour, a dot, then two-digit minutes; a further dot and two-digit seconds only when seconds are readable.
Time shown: 3.40.32
